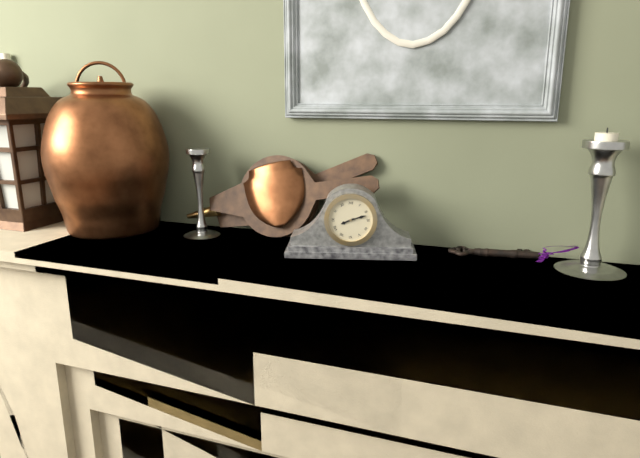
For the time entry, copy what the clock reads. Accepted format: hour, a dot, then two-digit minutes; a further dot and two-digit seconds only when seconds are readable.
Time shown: 8.12
